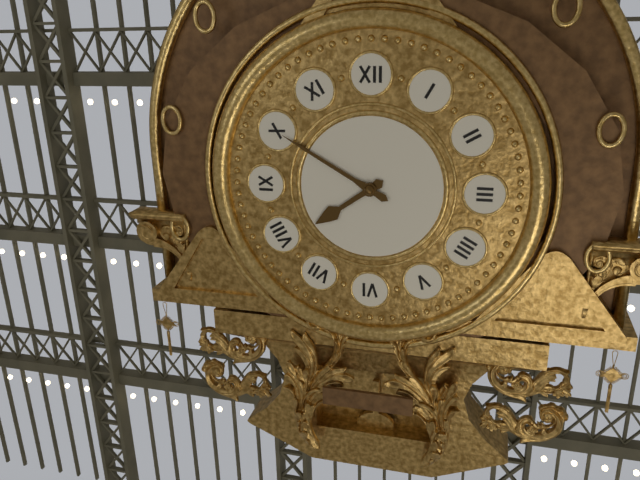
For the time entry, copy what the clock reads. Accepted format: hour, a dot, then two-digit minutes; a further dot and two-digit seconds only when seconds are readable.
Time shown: 7.50
